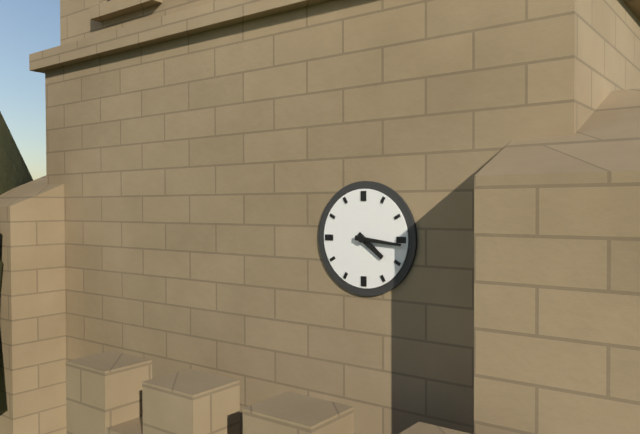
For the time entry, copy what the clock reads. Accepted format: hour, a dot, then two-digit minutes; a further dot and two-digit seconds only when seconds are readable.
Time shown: 4.16
